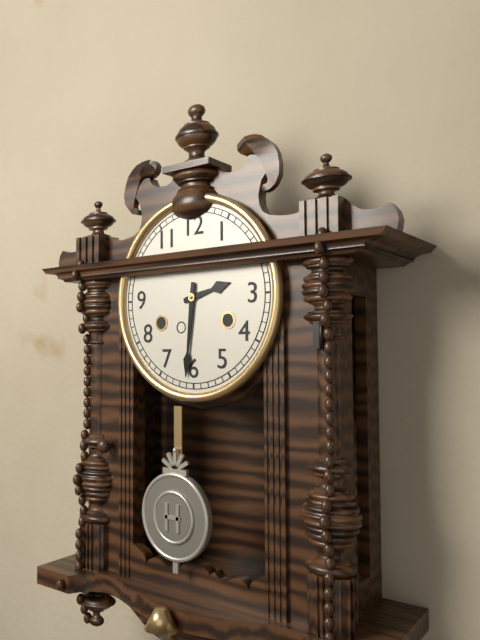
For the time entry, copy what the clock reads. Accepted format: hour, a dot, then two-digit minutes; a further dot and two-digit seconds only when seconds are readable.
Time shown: 2.31
